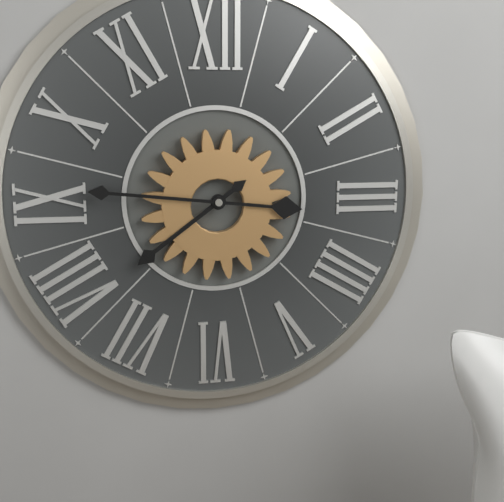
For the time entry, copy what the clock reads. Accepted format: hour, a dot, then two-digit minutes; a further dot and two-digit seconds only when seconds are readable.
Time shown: 7.46
